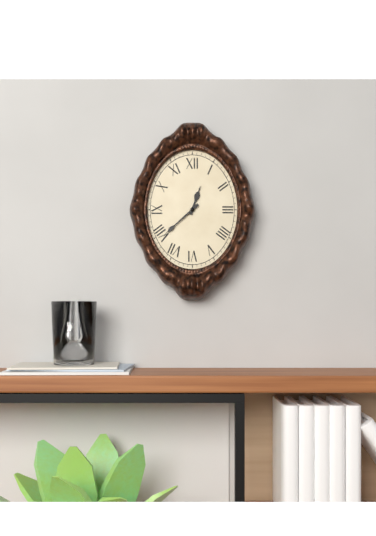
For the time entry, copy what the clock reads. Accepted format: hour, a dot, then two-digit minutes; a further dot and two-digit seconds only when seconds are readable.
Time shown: 12.38
